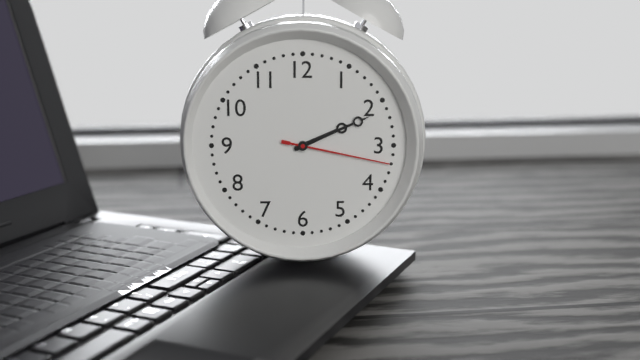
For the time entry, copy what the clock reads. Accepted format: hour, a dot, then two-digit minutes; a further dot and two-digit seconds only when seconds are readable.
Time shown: 2.11.17
